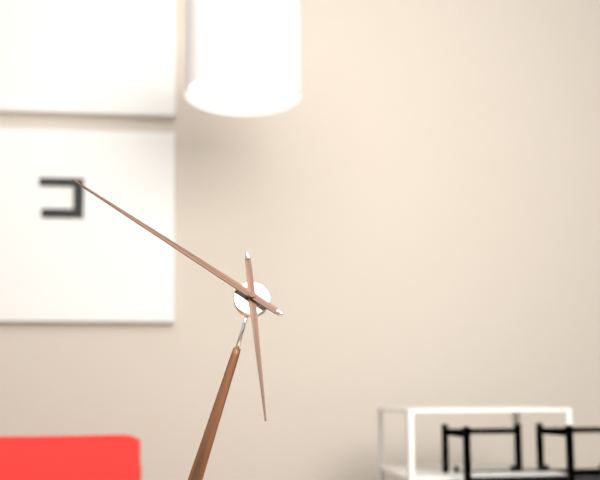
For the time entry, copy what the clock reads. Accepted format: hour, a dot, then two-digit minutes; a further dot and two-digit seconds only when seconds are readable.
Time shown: 5.51
